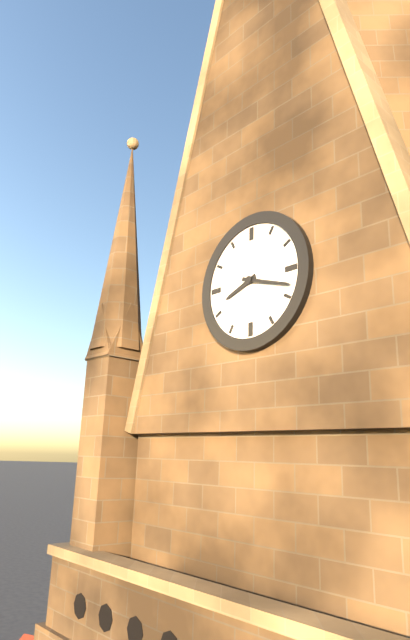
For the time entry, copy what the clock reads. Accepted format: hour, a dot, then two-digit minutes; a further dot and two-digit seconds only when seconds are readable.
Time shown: 8.18
